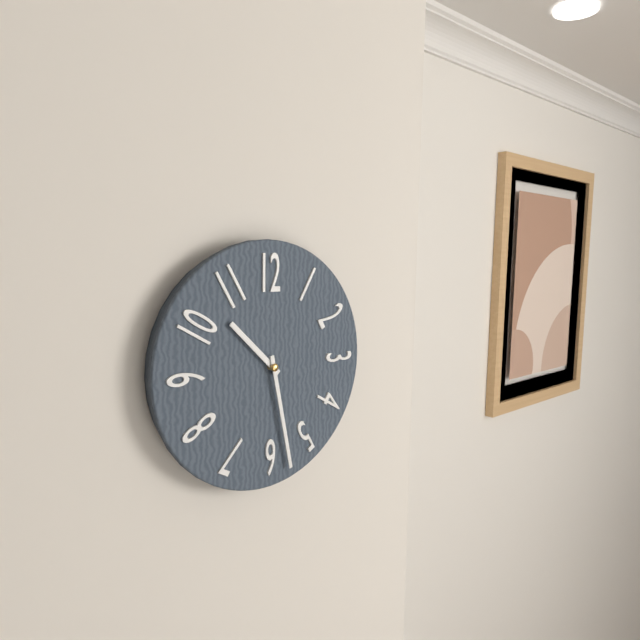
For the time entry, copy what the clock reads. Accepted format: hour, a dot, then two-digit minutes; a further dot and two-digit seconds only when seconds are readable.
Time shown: 10.28
